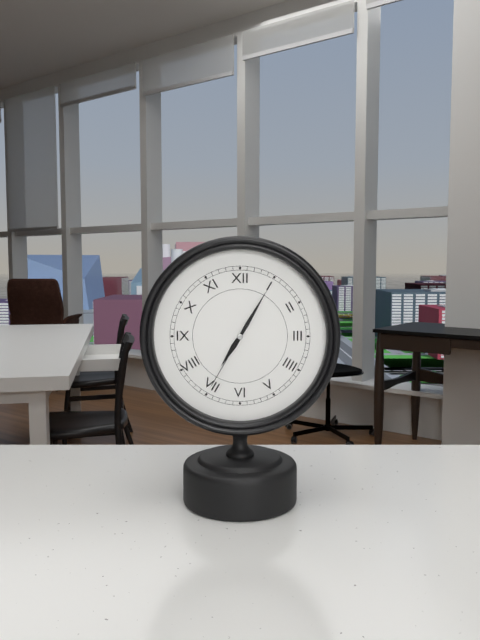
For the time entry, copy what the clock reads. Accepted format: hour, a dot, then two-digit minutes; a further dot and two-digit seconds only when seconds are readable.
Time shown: 7.05.35
